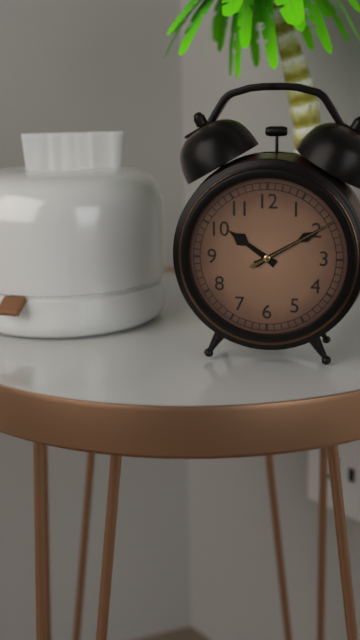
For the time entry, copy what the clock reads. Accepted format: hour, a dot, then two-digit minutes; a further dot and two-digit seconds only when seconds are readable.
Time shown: 10.10.10
